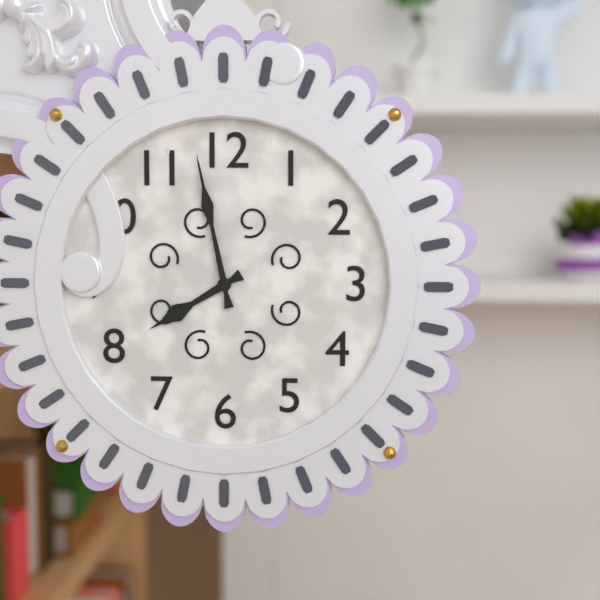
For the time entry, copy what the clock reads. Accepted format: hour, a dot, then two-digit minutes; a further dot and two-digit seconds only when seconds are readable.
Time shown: 7.58
